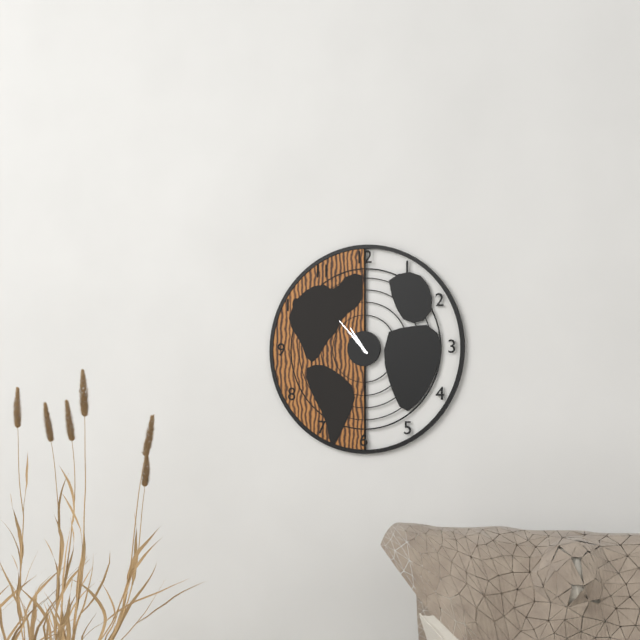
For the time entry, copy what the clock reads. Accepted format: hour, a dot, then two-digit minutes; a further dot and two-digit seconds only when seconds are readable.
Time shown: 10.53
